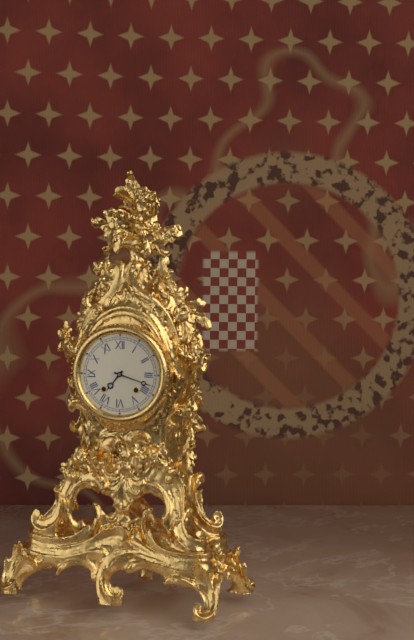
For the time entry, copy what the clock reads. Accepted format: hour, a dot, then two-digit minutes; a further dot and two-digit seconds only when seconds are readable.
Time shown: 7.18
